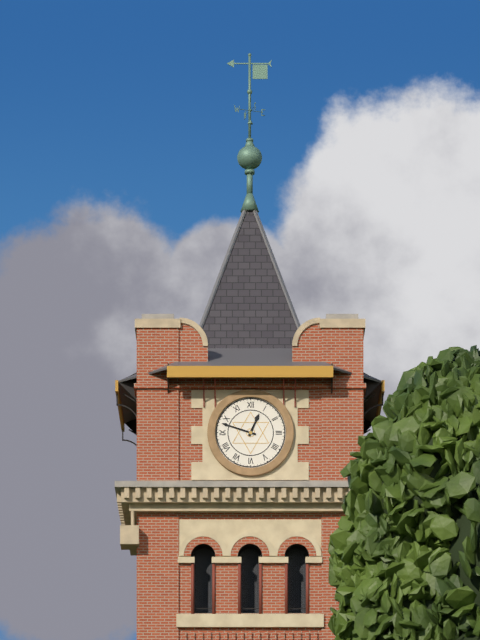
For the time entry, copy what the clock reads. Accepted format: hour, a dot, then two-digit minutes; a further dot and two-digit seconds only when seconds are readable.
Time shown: 12.48
